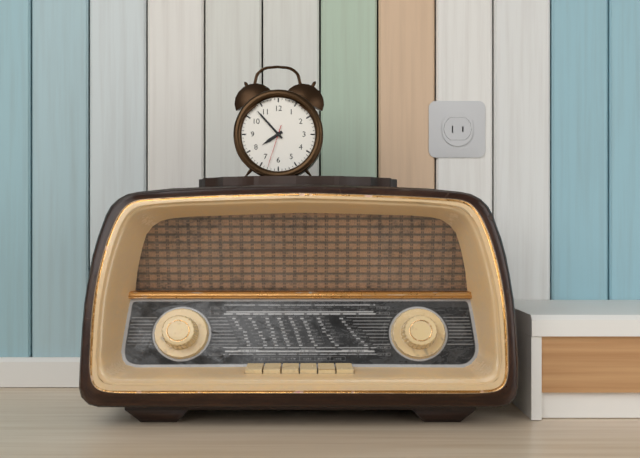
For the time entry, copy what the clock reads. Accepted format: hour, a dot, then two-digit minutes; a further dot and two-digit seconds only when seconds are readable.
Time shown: 7.53
